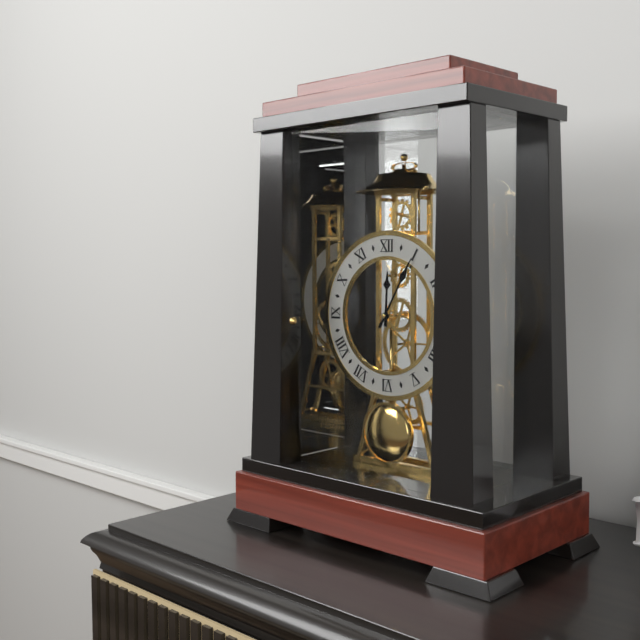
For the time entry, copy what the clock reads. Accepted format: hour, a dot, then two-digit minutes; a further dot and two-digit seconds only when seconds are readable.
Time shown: 12.05
